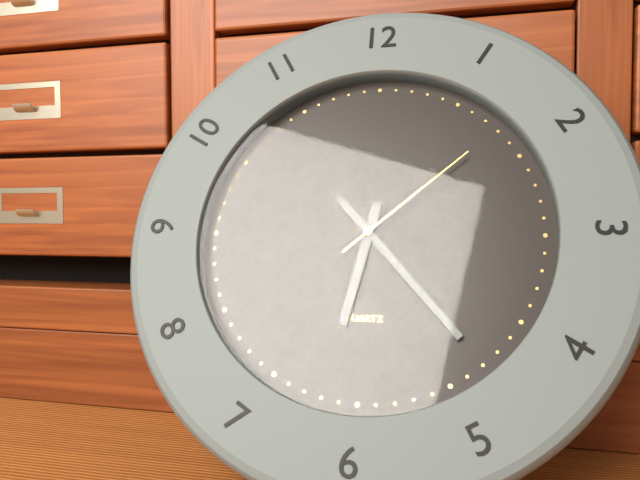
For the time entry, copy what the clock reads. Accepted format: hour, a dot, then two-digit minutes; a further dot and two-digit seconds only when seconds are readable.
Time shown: 6.23.08
